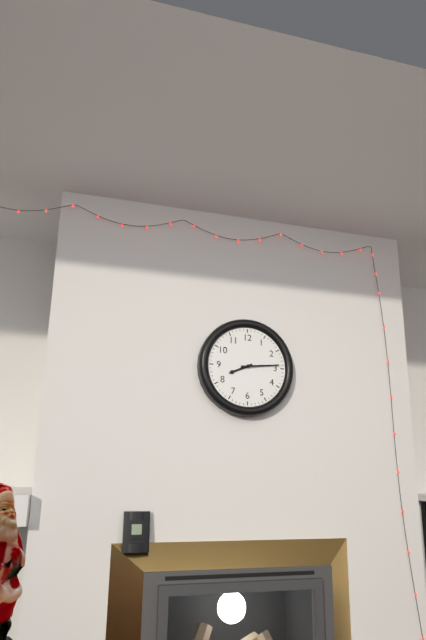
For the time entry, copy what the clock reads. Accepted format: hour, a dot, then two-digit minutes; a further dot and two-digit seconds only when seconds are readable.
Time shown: 8.14
